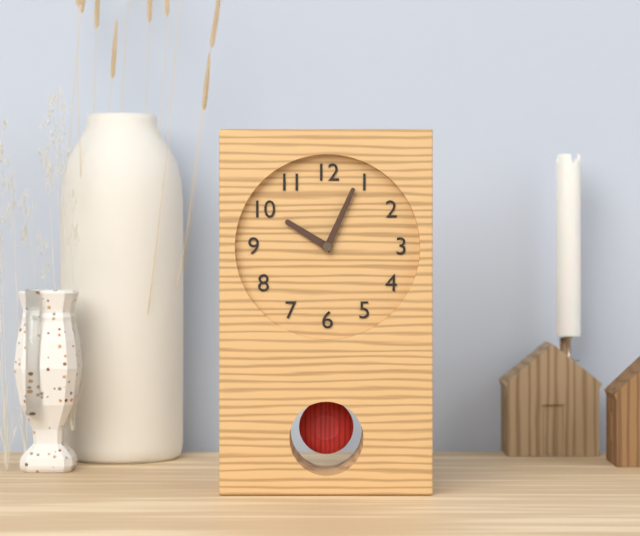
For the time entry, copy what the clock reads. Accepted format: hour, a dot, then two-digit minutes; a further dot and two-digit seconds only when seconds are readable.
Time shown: 10.04
